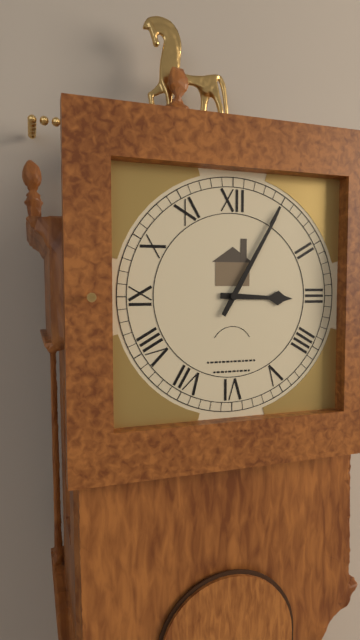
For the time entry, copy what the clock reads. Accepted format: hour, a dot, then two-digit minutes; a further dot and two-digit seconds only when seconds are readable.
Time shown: 3.05
